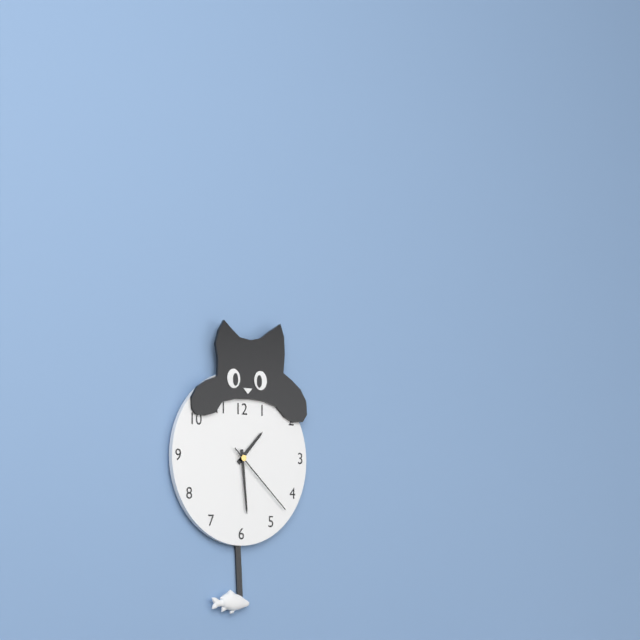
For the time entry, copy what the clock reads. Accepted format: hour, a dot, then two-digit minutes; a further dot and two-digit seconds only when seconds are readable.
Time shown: 1.29.22
